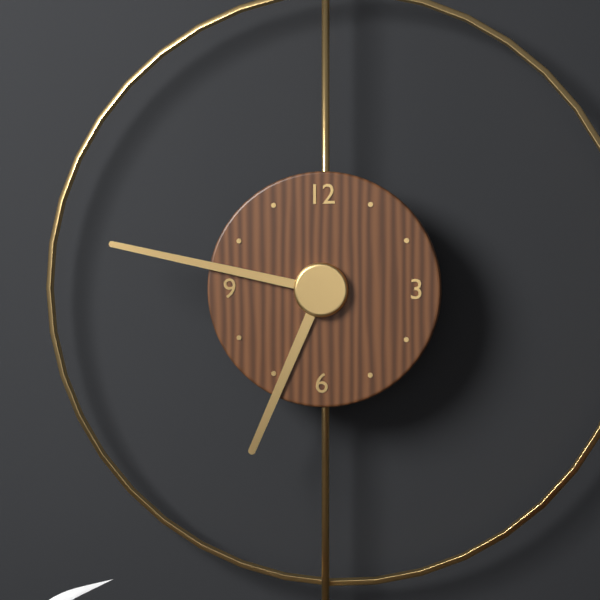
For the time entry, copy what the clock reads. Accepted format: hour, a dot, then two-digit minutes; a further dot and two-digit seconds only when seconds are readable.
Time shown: 6.47
